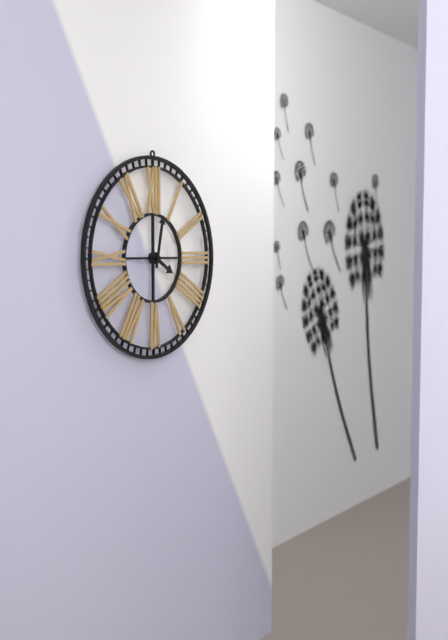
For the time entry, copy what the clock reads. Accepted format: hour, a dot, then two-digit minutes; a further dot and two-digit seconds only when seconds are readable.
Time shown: 4.02
